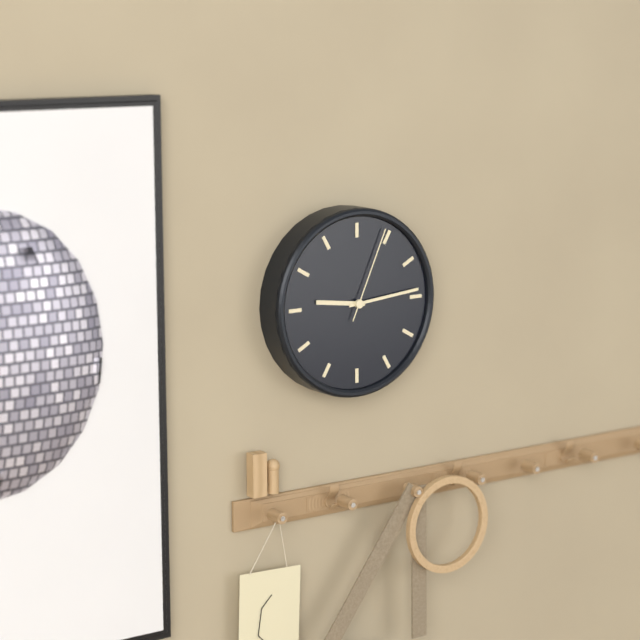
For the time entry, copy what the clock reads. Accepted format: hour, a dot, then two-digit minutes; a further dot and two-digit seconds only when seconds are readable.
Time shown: 9.14.04
